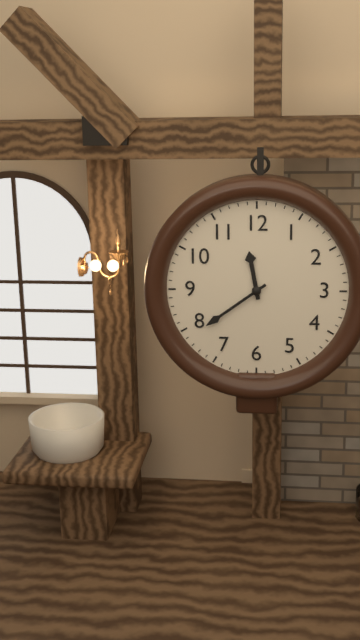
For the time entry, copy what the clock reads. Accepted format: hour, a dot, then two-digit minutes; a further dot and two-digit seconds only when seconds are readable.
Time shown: 11.39
